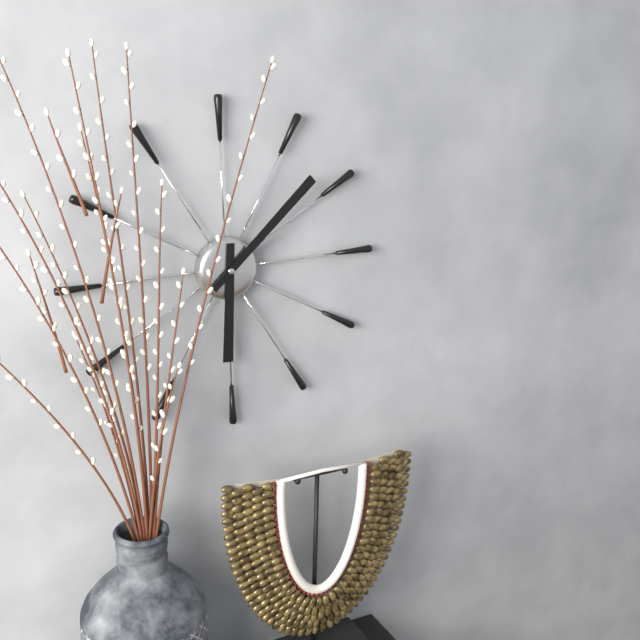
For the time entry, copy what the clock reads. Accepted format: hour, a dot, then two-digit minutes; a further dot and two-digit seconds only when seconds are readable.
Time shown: 6.08
